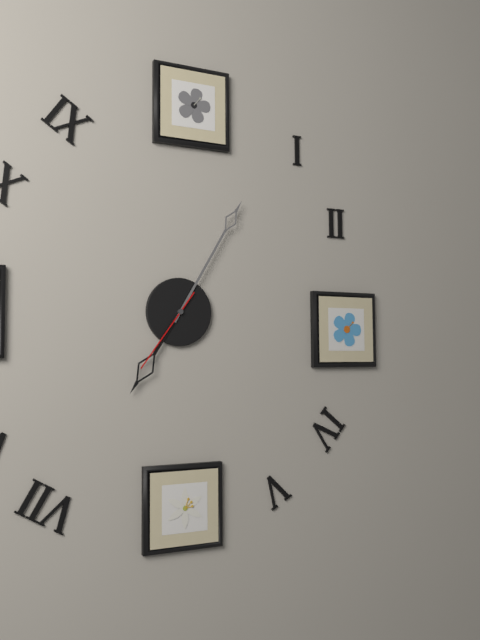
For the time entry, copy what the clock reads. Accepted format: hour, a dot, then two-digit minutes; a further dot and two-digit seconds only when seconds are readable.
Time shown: 7.05.36
